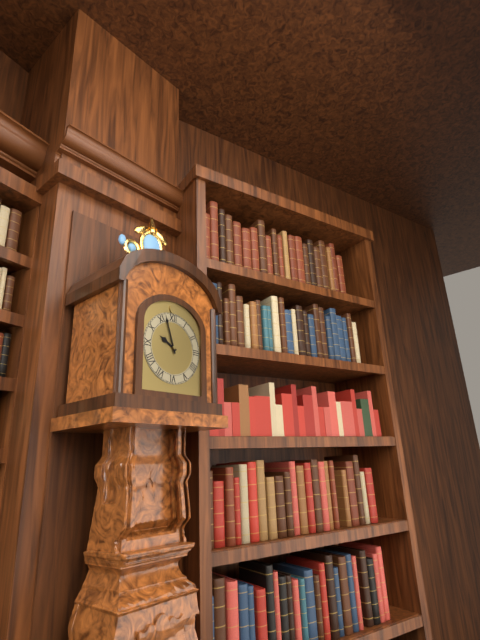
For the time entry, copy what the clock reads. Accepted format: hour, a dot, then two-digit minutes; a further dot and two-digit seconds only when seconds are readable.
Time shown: 9.57
